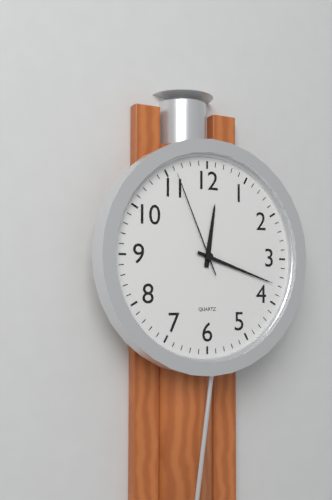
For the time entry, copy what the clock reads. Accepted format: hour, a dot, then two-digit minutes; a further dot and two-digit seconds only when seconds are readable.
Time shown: 12.18.56
